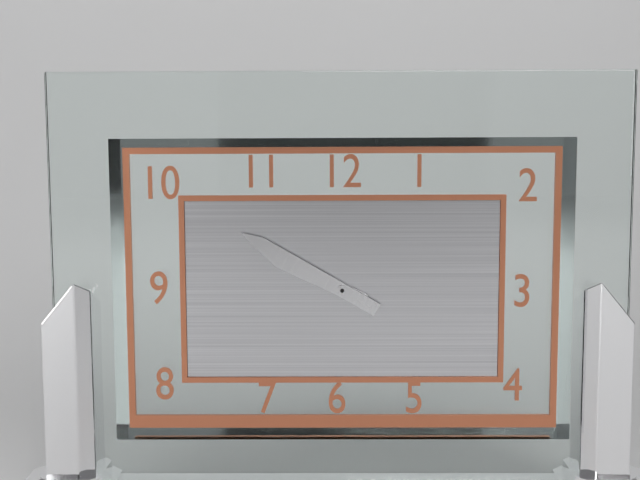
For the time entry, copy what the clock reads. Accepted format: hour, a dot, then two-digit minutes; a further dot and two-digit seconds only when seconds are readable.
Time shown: 9.50
